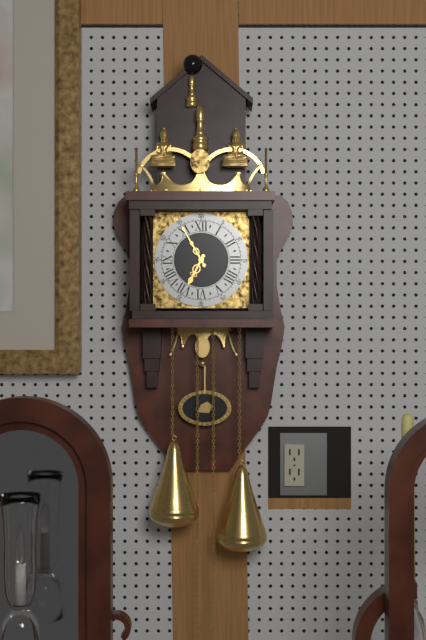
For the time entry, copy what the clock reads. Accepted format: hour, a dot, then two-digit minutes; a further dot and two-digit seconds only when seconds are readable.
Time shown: 6.55
